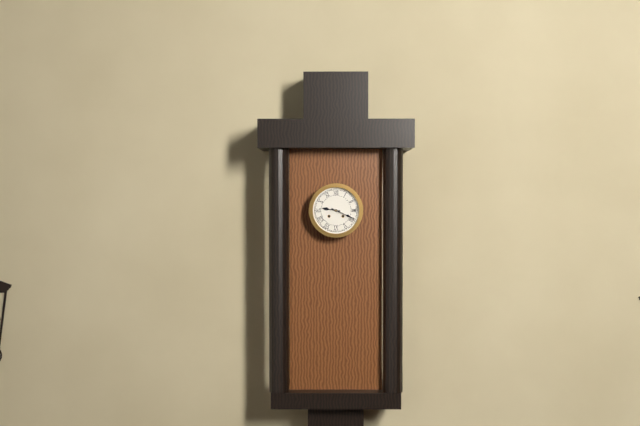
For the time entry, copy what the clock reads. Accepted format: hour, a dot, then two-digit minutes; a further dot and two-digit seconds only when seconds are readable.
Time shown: 9.19
